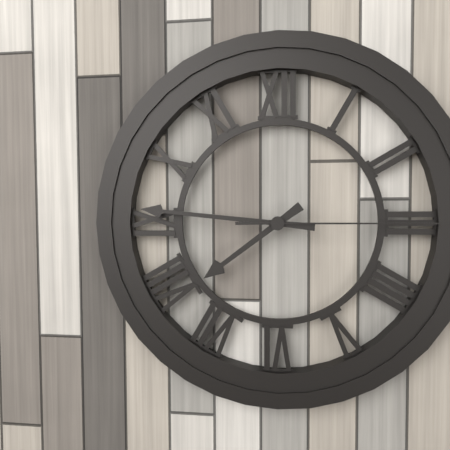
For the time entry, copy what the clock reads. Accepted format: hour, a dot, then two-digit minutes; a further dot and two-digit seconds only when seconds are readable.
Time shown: 7.46.15
